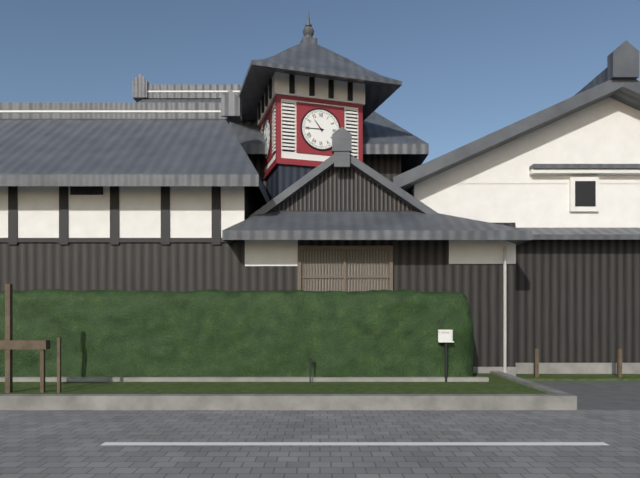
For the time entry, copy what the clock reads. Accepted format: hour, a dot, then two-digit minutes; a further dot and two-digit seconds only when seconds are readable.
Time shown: 10.45
